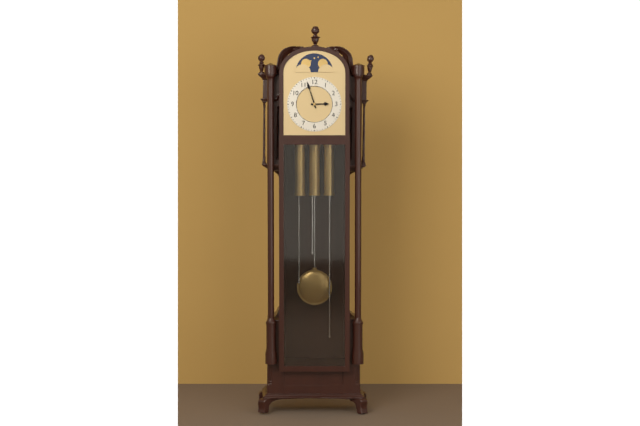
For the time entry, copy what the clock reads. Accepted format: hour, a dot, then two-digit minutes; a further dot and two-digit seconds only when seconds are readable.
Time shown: 2.57
